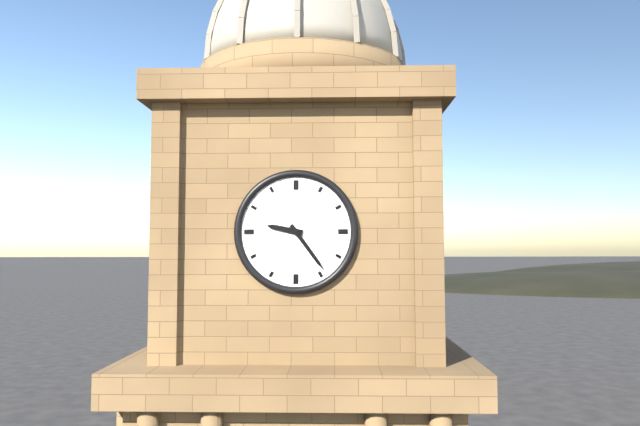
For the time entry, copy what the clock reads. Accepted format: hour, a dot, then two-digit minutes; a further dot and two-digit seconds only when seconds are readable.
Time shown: 9.24
